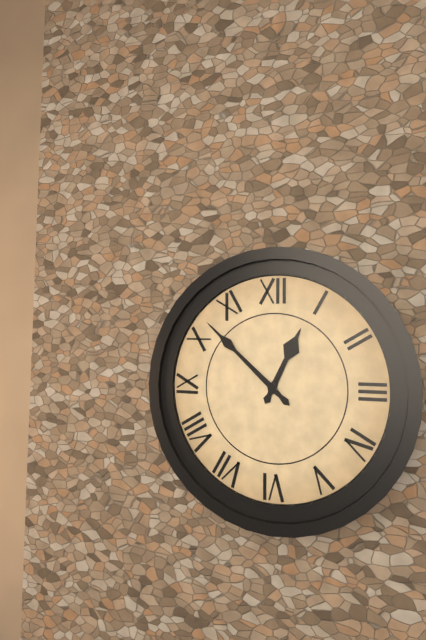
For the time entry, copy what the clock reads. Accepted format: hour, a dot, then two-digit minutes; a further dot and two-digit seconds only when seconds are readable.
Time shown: 12.52
